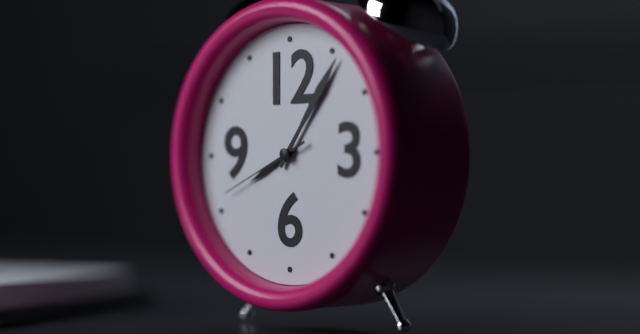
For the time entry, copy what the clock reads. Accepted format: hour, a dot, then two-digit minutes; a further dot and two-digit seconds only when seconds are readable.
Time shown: 8.06.41
